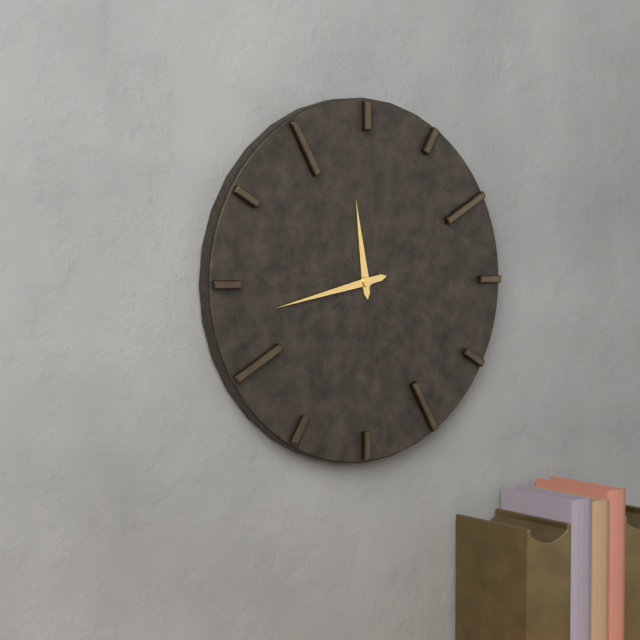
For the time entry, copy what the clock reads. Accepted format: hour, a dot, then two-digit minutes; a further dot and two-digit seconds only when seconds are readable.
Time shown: 11.43
